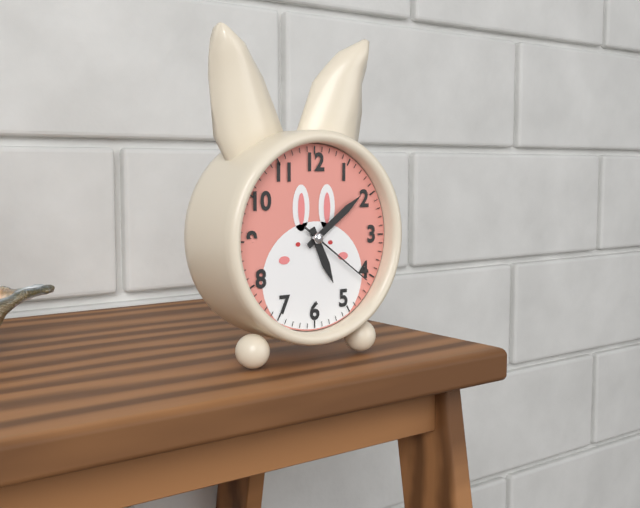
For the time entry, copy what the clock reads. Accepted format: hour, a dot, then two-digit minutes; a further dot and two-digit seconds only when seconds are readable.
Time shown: 5.09.21
